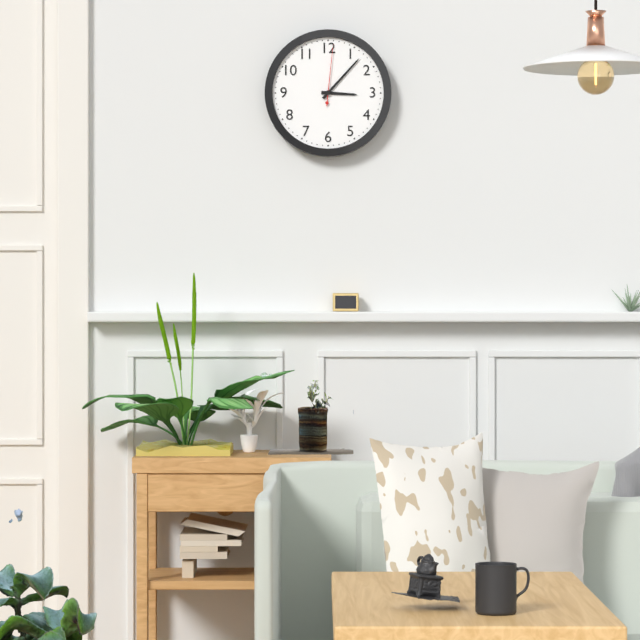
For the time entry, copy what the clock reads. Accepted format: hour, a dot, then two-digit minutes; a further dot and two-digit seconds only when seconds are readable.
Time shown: 3.07.01
